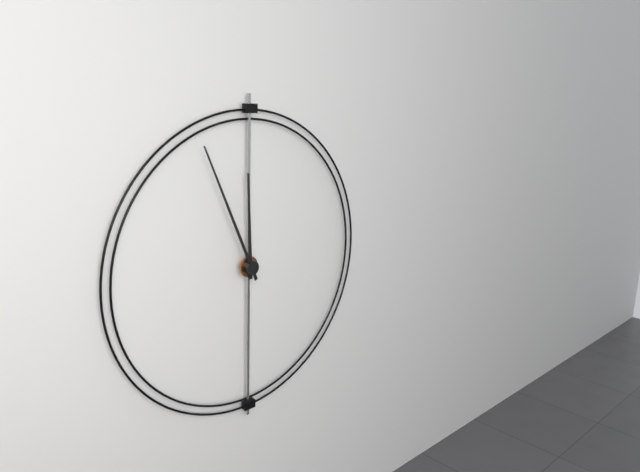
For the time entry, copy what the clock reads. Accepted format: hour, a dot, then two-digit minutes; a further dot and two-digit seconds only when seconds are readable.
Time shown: 11.56
